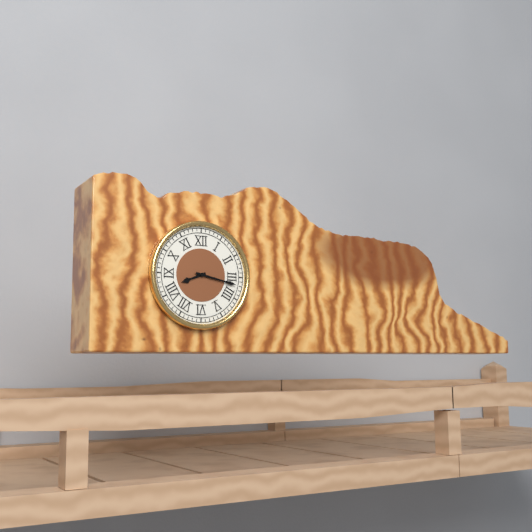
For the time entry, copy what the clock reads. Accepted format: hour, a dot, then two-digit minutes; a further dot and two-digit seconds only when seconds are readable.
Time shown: 8.17
